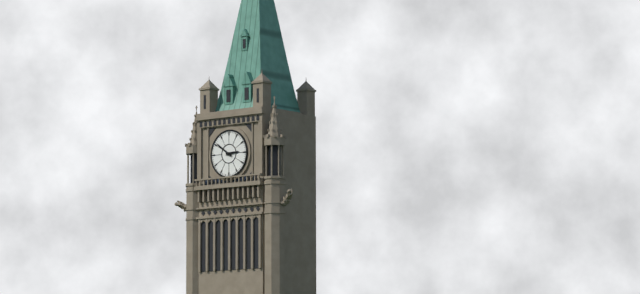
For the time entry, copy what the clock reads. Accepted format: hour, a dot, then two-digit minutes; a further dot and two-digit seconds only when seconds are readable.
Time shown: 2.51
